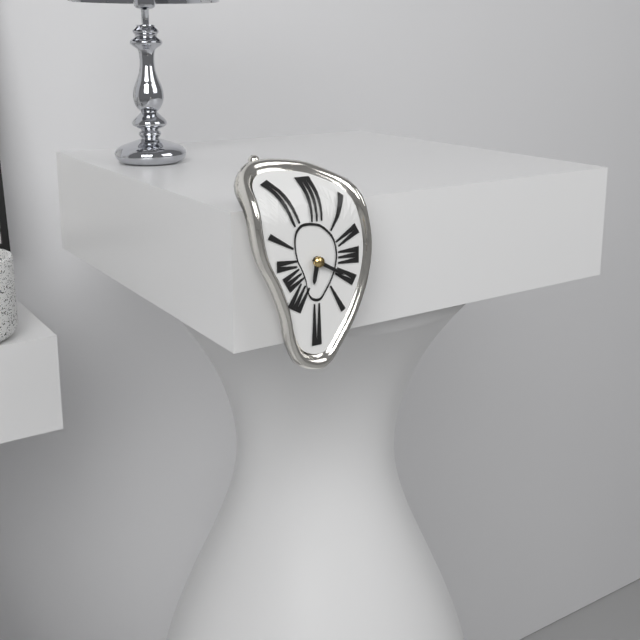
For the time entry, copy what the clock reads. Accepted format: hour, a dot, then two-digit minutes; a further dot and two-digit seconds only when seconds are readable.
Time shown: 6.20
